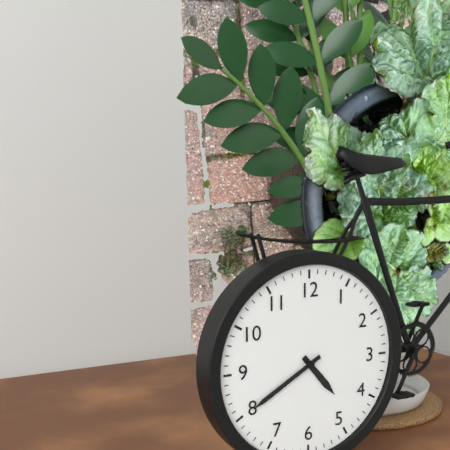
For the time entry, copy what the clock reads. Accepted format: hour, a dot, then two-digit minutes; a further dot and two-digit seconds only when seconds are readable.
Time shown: 4.40
